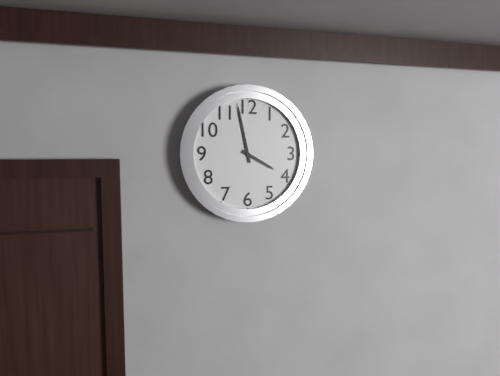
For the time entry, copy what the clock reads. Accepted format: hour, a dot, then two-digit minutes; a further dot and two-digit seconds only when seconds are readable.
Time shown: 3.58
